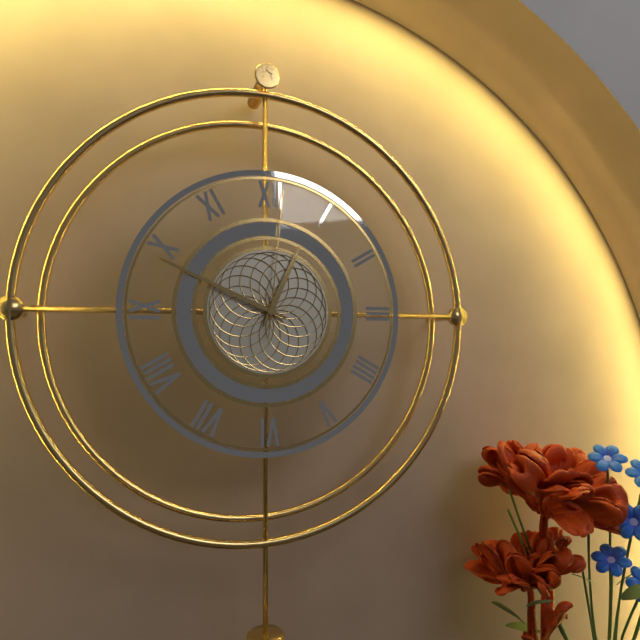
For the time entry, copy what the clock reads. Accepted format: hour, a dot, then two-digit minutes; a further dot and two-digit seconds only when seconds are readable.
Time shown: 12.49.01
